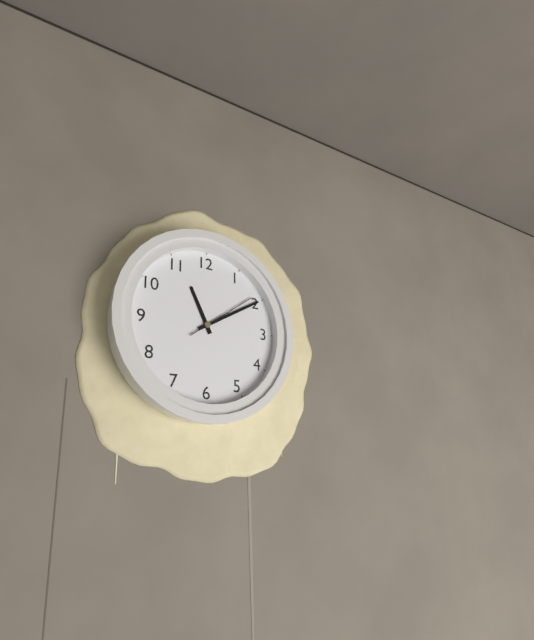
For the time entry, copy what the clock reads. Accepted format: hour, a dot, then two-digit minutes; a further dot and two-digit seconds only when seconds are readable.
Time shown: 11.10.09
